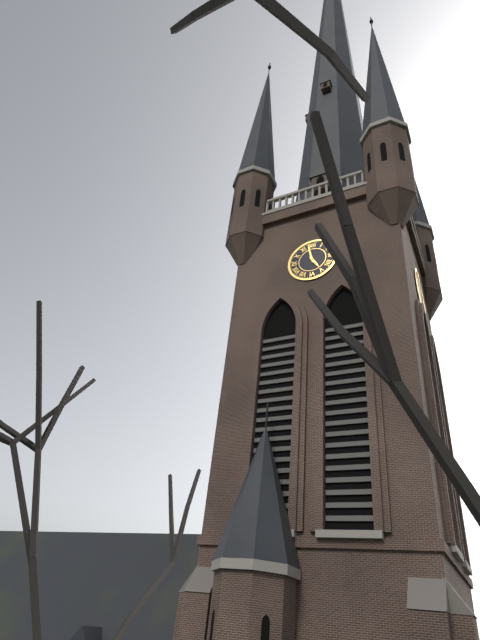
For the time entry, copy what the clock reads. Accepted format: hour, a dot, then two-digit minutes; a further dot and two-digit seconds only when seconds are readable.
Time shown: 4.58
